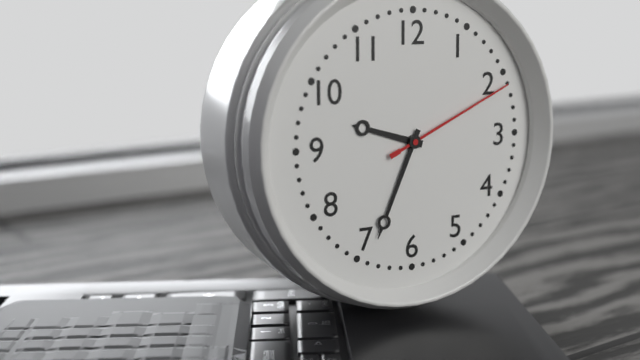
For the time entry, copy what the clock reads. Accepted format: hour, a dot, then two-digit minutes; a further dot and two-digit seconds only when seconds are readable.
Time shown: 9.34.11
